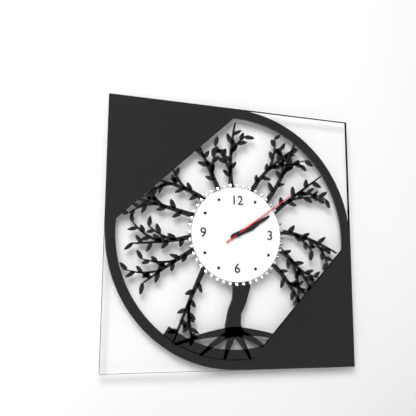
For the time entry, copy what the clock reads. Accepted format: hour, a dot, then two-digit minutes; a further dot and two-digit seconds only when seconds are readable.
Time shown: 2.10.09
